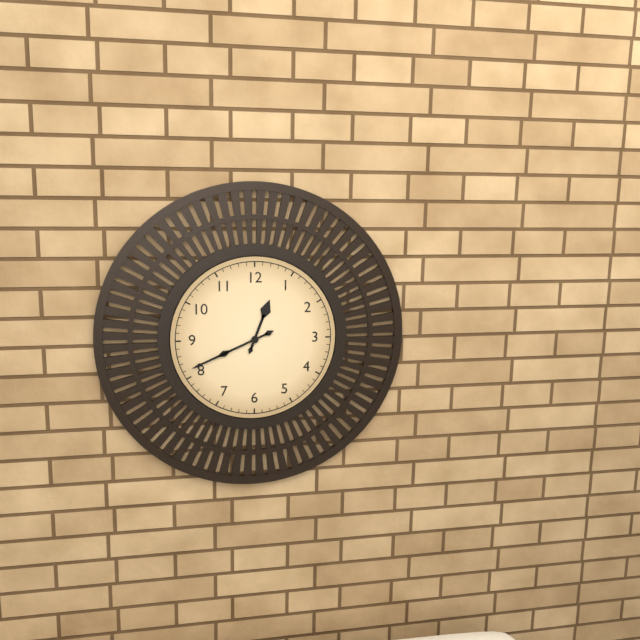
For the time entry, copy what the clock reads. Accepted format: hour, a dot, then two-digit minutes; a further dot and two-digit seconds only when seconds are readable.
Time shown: 12.41
